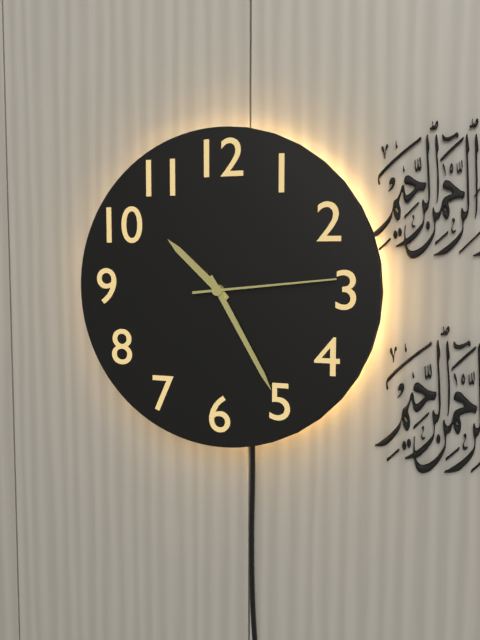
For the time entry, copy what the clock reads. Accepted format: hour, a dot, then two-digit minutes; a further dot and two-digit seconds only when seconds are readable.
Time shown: 10.25.14
